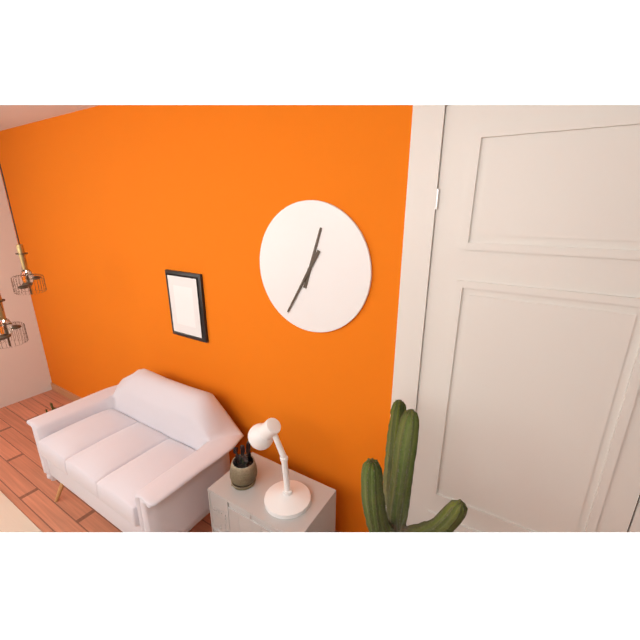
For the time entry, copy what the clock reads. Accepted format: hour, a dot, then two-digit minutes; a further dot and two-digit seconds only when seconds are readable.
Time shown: 12.35
